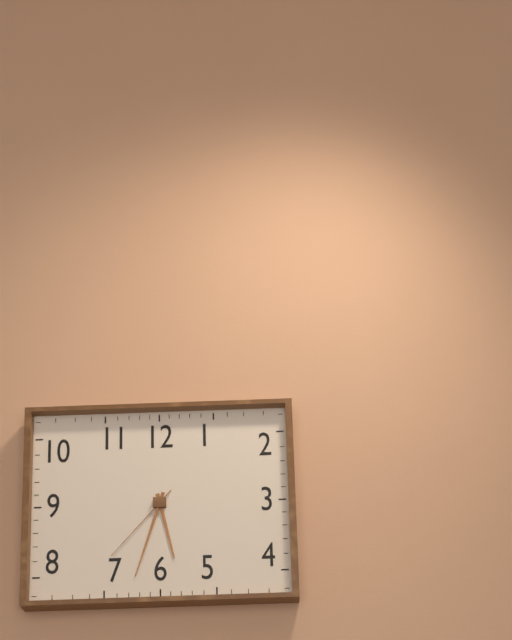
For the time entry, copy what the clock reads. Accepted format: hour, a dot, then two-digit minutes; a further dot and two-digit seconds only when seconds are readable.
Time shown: 5.33.37
